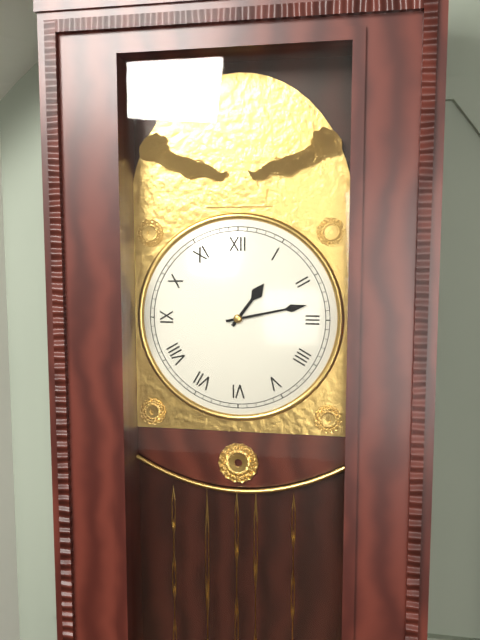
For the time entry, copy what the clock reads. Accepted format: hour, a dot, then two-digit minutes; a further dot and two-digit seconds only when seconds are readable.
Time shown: 1.13
